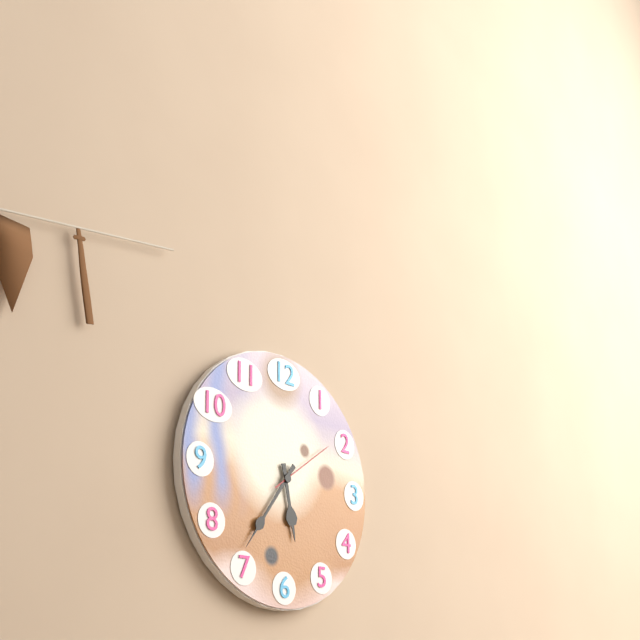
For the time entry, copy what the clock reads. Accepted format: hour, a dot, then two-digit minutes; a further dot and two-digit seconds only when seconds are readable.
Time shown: 5.36.09
